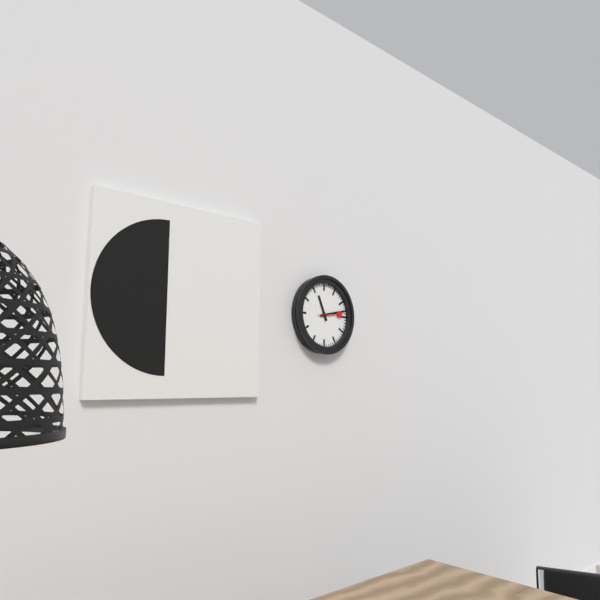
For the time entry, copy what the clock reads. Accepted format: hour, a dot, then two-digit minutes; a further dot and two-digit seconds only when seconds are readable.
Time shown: 11.13
